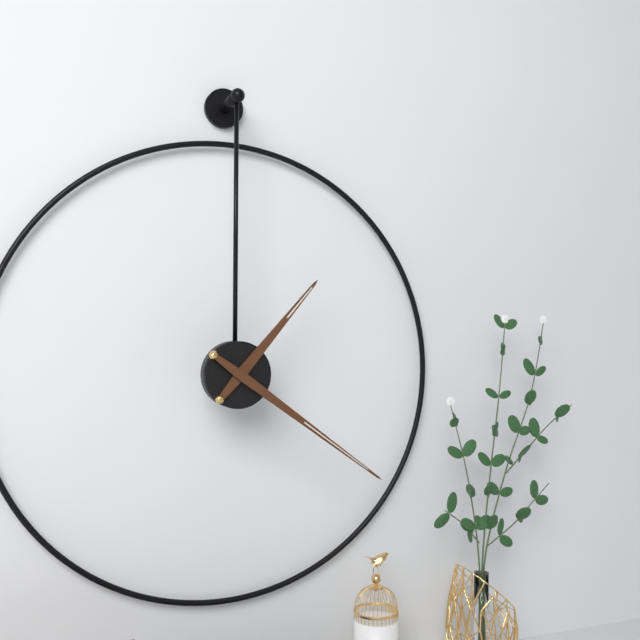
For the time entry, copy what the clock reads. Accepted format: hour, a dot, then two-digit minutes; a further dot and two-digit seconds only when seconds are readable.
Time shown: 1.21
